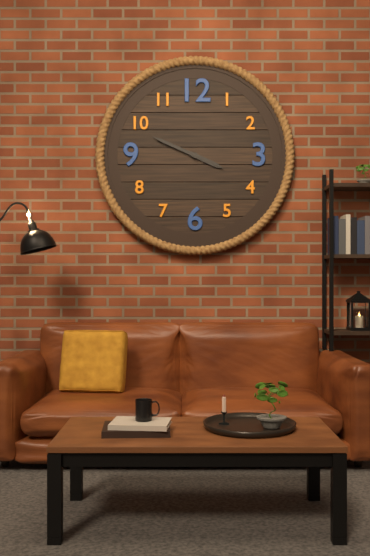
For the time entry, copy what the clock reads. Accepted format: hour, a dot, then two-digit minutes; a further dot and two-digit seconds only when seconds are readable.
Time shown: 3.49
